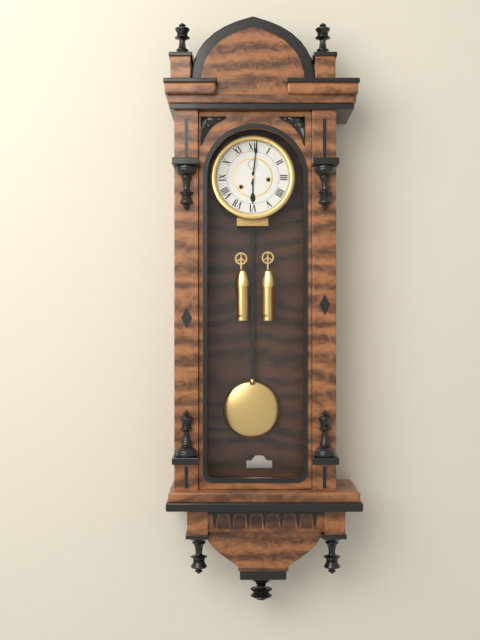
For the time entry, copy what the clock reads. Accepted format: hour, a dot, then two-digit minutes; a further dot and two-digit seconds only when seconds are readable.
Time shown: 6.01
